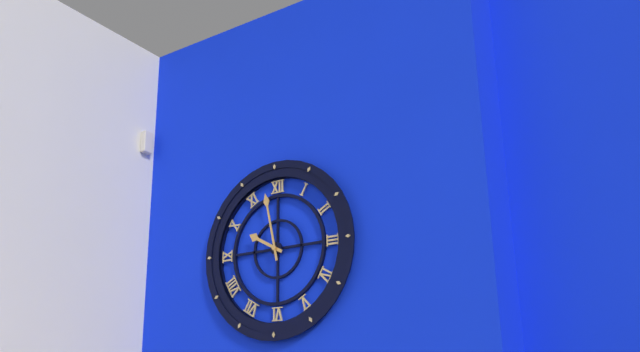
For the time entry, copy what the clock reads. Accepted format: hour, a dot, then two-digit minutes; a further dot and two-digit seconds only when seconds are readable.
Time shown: 9.58
